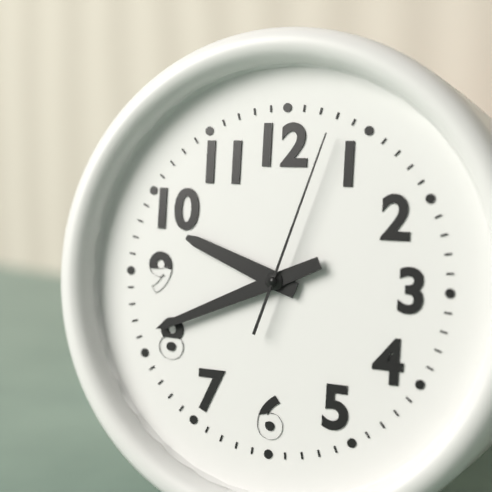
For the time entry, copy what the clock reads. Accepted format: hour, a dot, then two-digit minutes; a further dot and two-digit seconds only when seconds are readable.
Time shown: 9.41.03
